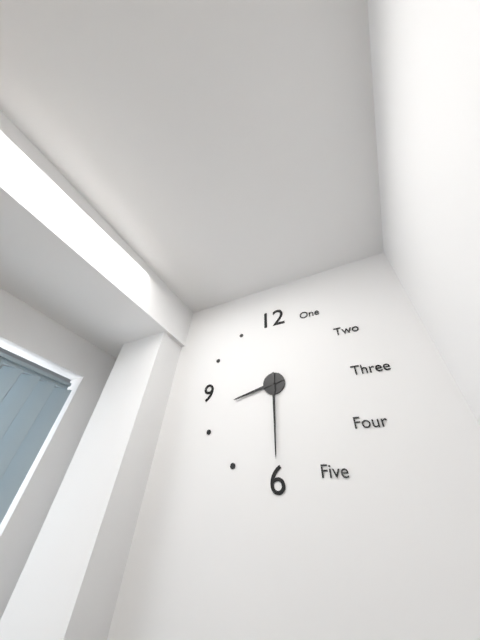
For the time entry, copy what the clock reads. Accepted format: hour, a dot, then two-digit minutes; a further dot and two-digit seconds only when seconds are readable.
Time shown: 8.30
